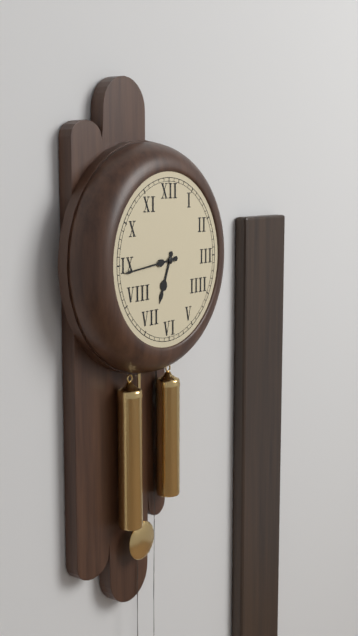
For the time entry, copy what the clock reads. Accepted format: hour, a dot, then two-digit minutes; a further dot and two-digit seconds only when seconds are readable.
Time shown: 6.44
